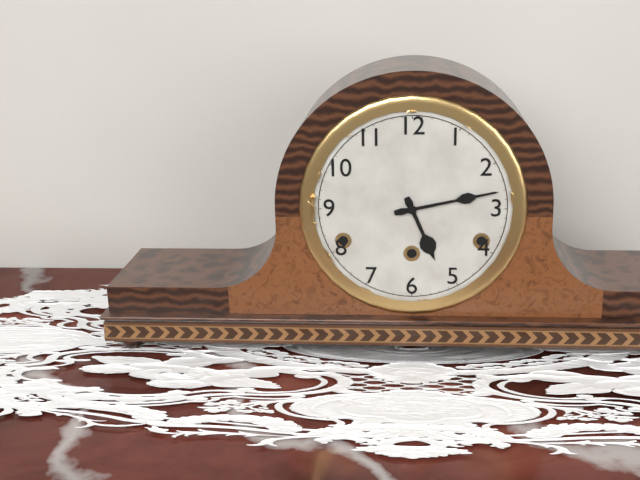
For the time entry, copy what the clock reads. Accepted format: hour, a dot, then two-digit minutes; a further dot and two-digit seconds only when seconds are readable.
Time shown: 5.13
